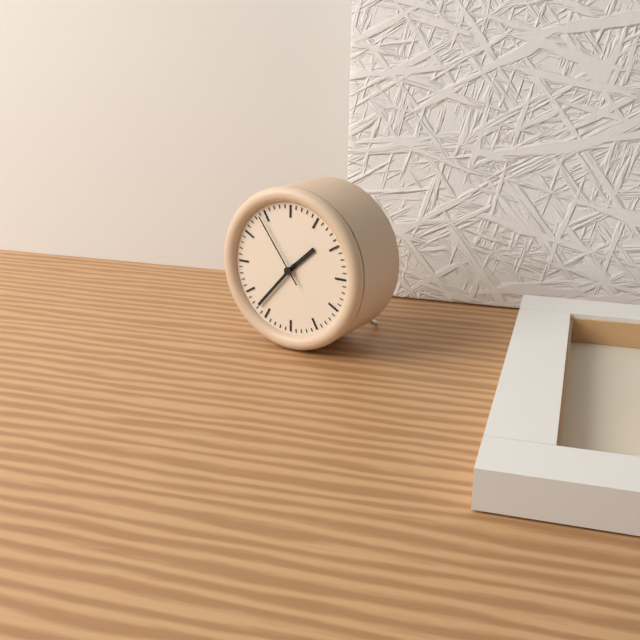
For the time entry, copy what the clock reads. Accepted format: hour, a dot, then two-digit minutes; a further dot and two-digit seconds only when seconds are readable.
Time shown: 1.37.54
